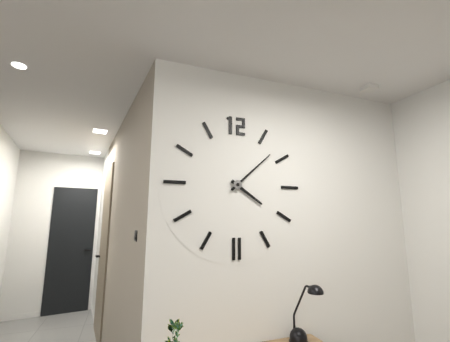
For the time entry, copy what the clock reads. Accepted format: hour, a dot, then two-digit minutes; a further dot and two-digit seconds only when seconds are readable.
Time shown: 4.08
